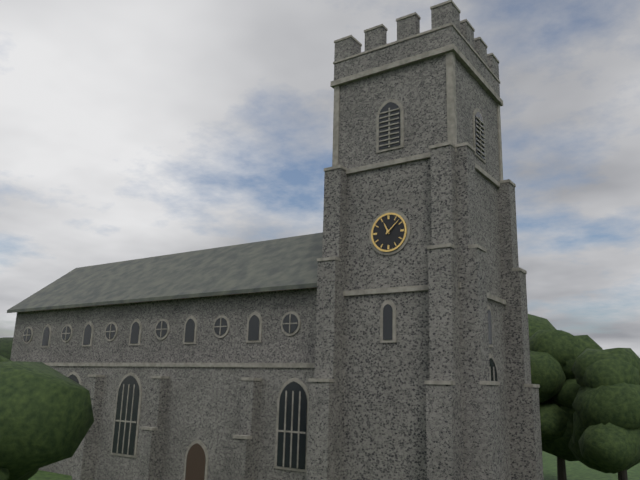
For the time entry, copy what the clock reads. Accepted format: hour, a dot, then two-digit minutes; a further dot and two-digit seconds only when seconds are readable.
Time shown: 11.08
